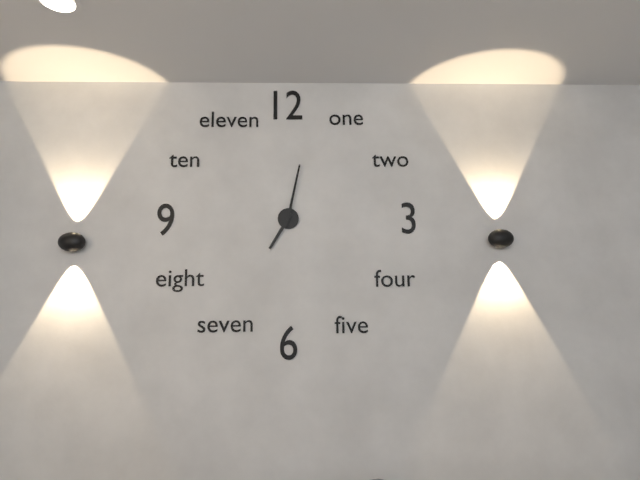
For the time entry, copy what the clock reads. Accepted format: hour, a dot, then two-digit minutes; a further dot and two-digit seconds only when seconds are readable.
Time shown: 7.02
